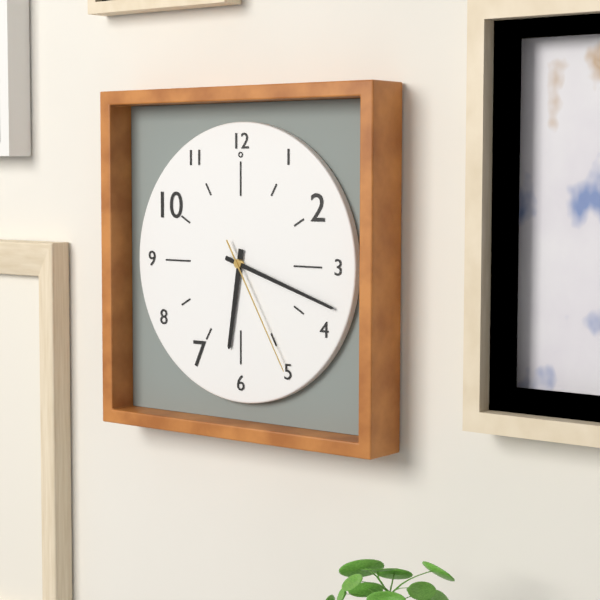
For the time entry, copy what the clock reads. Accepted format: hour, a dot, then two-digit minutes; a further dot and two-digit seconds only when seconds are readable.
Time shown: 6.18.25
